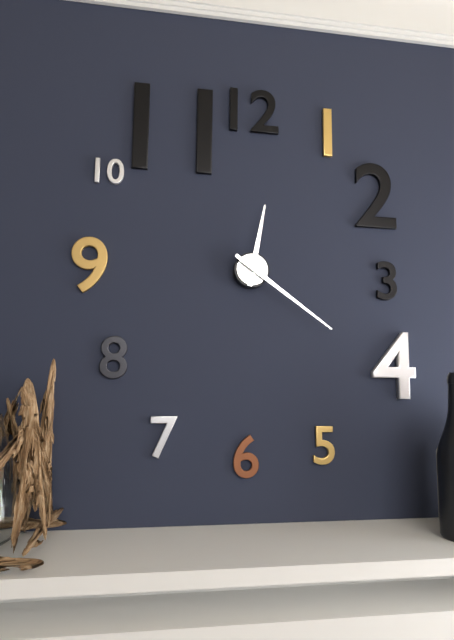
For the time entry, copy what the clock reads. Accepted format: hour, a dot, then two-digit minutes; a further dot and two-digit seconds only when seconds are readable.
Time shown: 12.21
